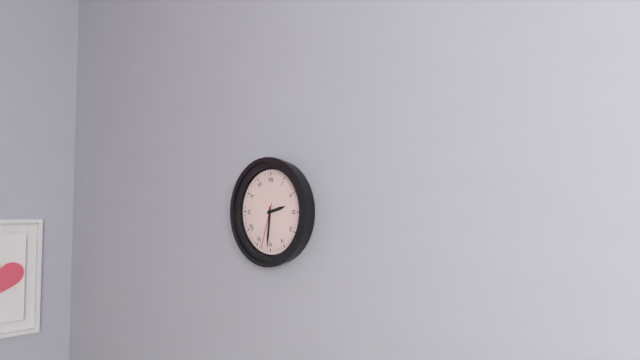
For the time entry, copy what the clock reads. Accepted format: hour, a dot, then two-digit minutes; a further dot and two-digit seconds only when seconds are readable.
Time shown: 2.31
